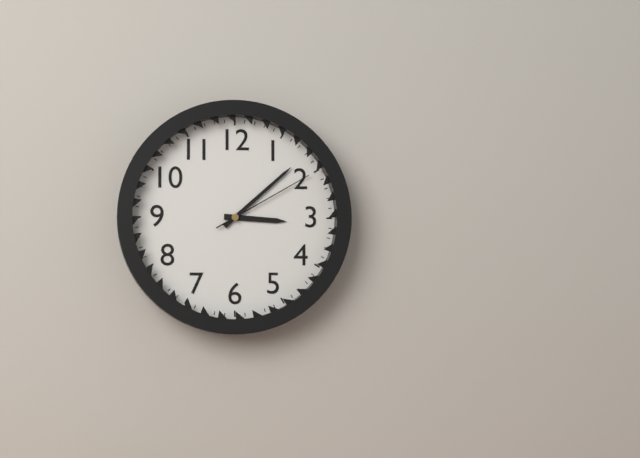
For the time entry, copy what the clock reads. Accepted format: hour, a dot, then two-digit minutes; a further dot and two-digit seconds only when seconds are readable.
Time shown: 3.08.10
